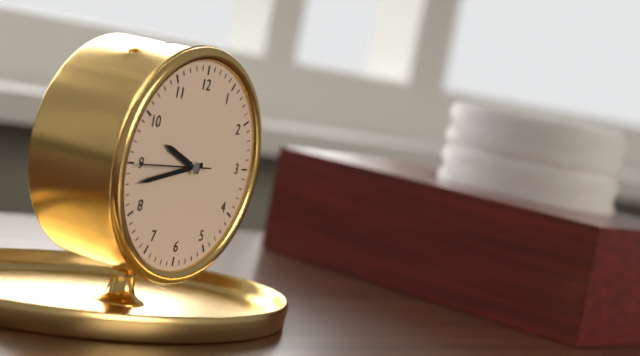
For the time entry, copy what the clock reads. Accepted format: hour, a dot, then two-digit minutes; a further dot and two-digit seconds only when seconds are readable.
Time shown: 9.43.45
